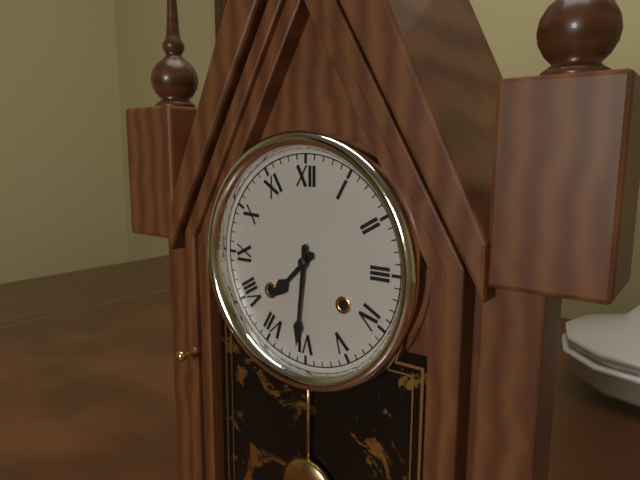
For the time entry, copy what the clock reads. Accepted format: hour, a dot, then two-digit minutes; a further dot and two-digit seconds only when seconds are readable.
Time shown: 7.31
